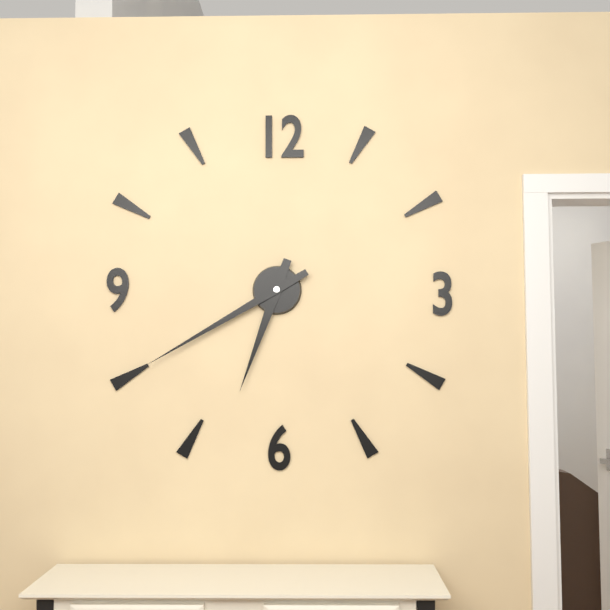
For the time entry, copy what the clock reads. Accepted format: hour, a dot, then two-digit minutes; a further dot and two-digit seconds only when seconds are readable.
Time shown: 6.40
